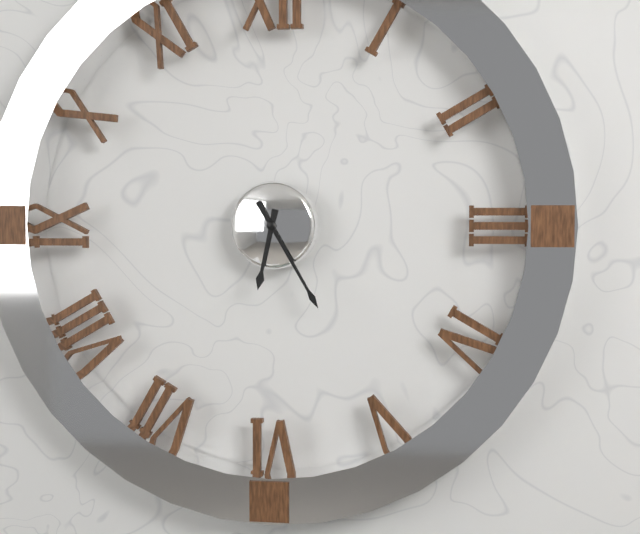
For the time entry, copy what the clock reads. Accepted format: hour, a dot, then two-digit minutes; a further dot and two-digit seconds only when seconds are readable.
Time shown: 6.25
